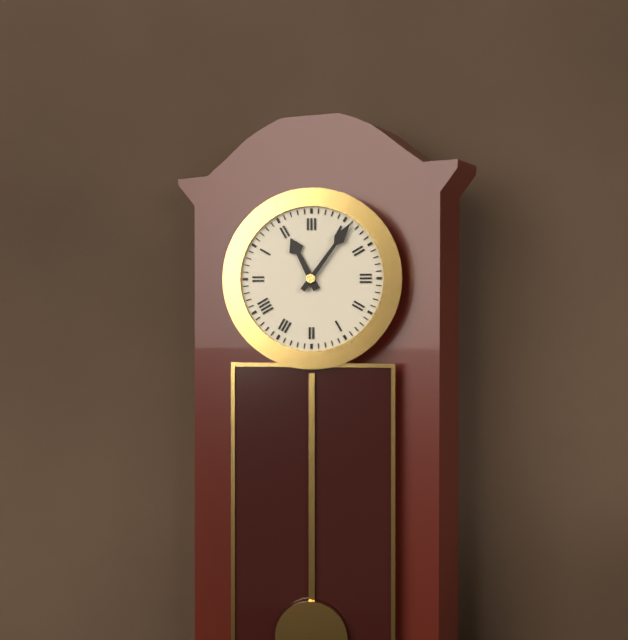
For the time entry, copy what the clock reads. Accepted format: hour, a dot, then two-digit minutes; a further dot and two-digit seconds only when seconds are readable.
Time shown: 11.06
